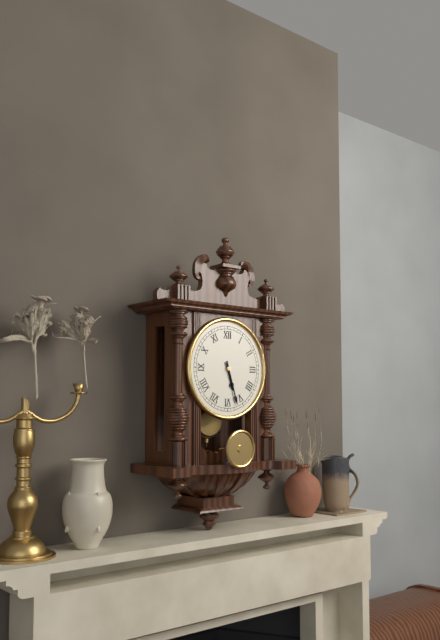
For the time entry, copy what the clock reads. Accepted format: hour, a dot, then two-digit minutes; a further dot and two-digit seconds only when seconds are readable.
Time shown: 5.27
